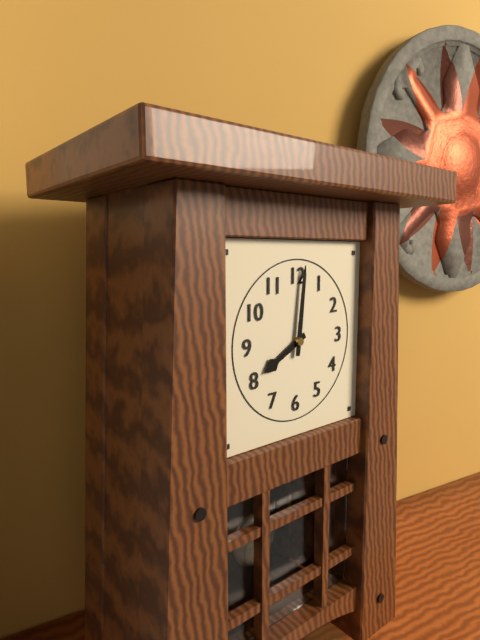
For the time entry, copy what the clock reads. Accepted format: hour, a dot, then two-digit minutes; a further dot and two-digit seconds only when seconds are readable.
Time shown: 8.01
